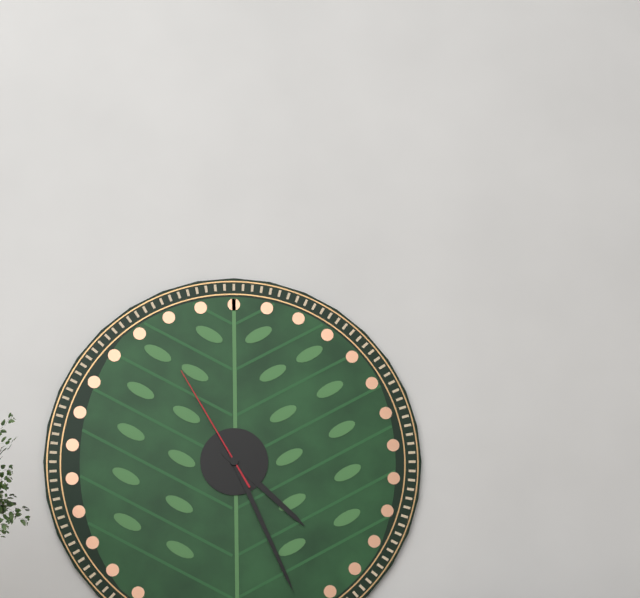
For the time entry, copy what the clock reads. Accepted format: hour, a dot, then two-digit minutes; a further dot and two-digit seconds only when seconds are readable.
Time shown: 4.26.55
